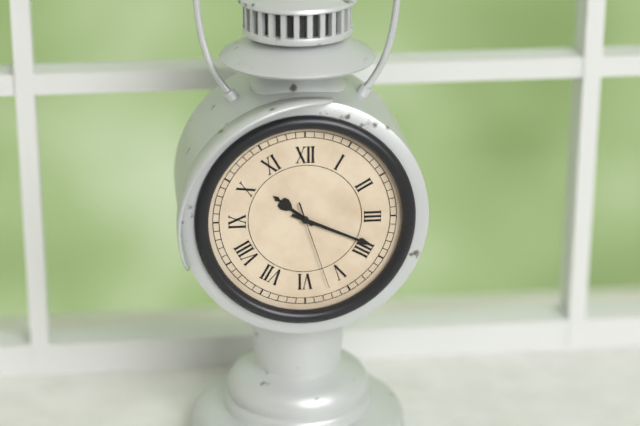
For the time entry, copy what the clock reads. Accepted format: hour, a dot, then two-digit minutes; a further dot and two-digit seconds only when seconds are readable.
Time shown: 10.19.27
